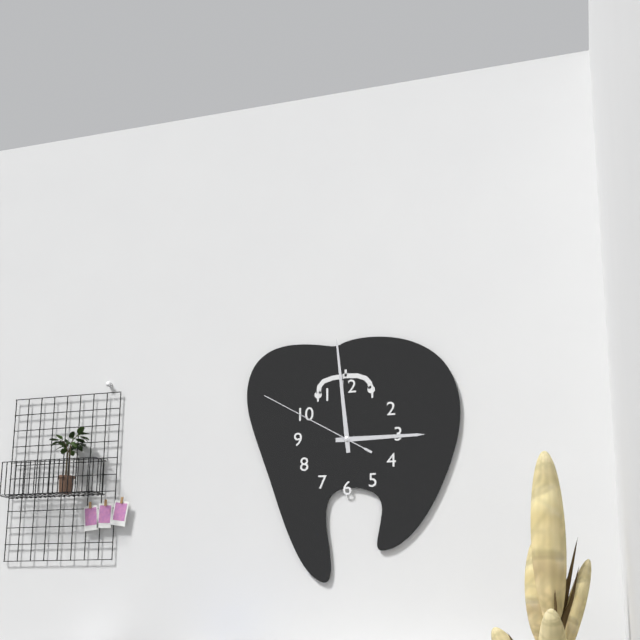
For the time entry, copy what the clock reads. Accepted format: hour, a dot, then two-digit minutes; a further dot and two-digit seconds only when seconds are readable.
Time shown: 2.59.50
